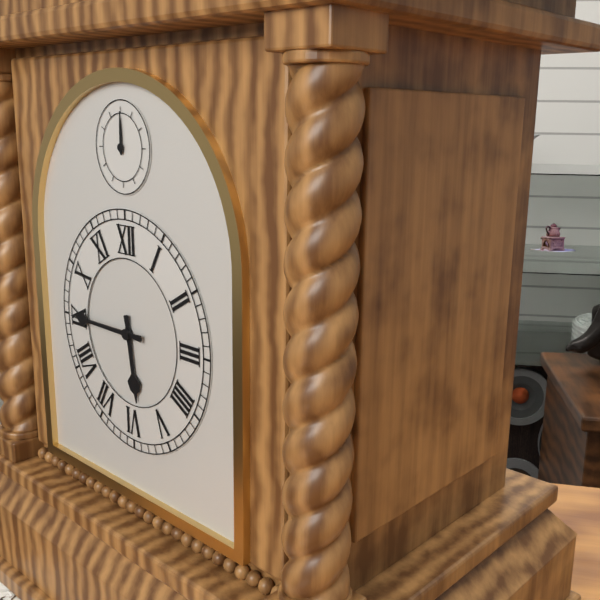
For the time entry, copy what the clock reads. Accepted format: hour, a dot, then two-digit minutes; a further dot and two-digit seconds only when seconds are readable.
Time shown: 5.45
